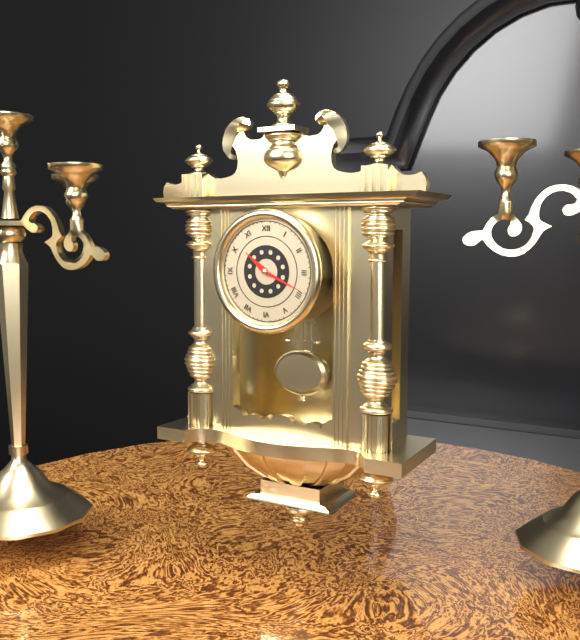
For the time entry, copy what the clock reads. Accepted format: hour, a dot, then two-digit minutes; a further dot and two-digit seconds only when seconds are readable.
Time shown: 10.19
